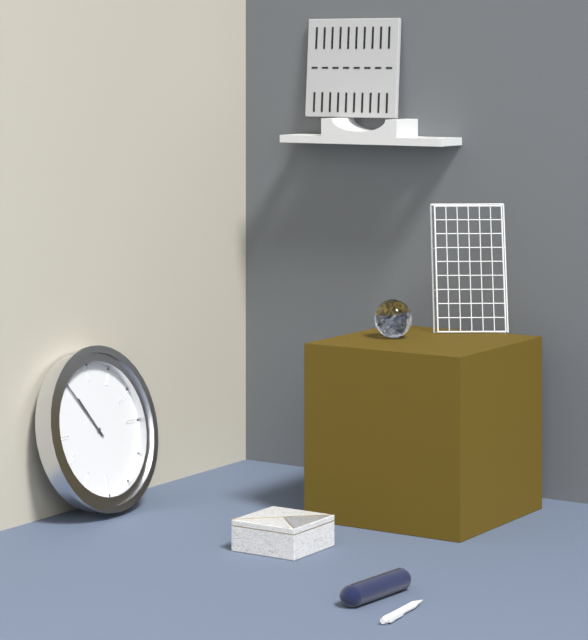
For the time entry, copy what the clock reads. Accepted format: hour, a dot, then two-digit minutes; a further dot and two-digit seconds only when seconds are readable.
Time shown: 10.54
